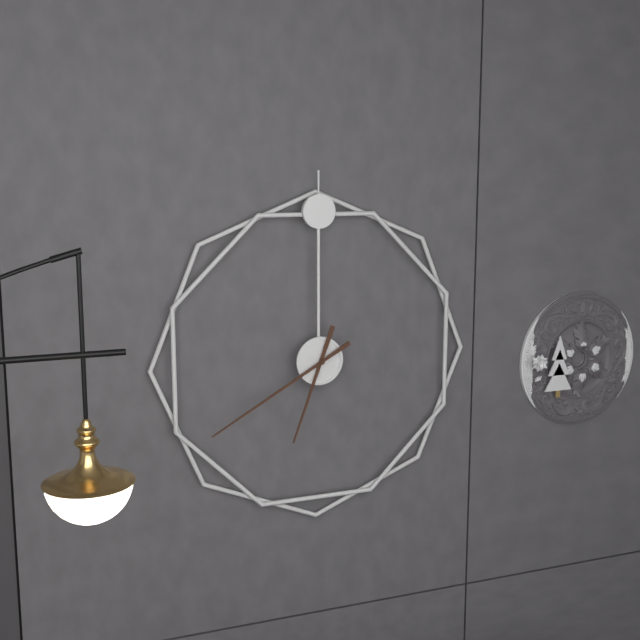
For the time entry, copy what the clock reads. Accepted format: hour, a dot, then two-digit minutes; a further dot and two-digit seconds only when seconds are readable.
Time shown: 6.40
